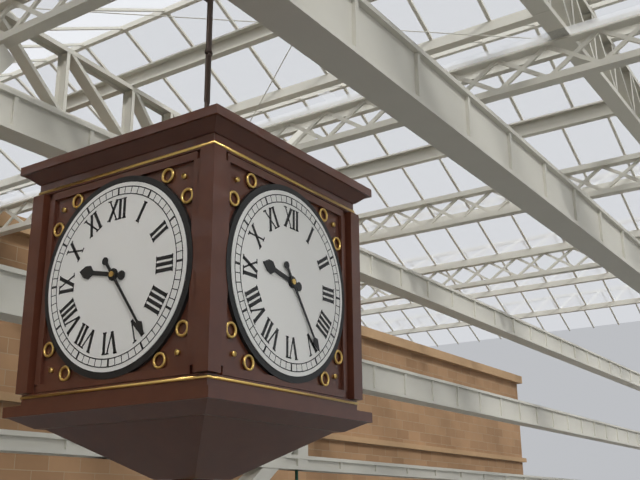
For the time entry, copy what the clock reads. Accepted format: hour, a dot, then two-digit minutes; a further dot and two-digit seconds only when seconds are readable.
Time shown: 9.24
